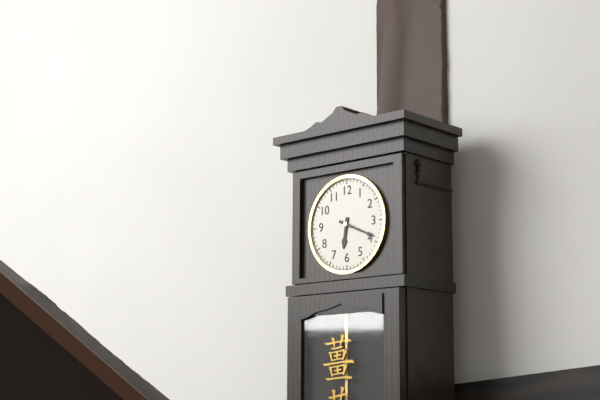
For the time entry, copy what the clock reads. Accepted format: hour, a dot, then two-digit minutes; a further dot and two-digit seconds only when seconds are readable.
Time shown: 6.19
